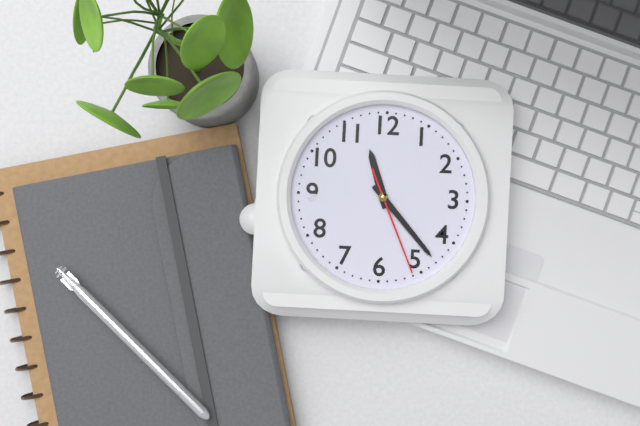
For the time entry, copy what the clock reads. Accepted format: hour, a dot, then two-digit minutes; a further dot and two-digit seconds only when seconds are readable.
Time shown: 11.23.26
